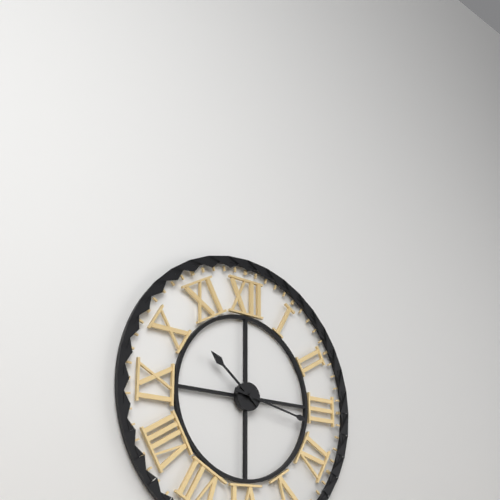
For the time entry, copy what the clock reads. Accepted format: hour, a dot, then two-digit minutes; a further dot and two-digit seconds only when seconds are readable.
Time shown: 10.17
